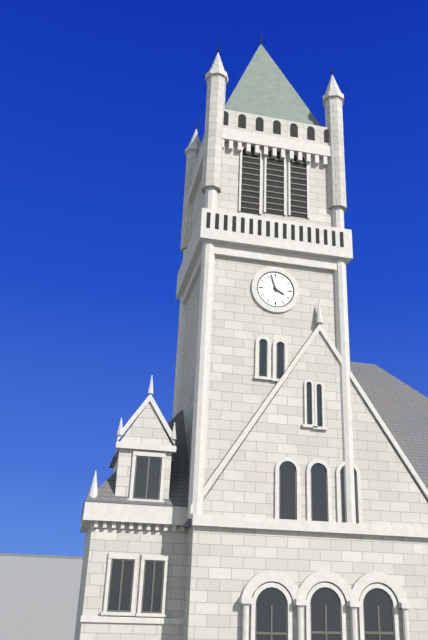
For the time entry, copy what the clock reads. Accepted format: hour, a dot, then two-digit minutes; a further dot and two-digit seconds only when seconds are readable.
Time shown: 3.57
